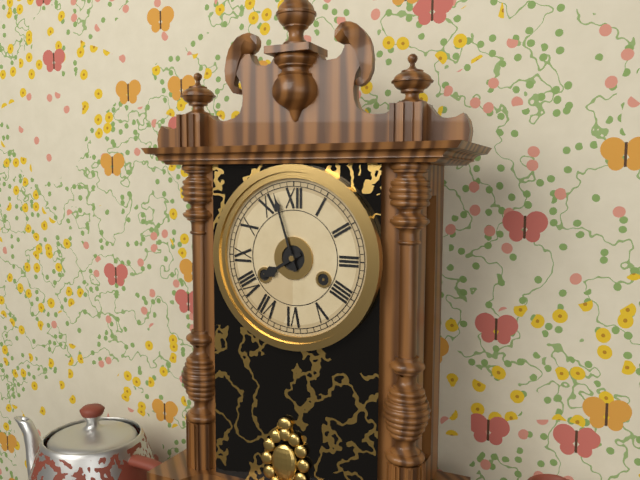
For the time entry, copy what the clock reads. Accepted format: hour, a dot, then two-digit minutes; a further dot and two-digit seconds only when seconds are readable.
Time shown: 7.57
